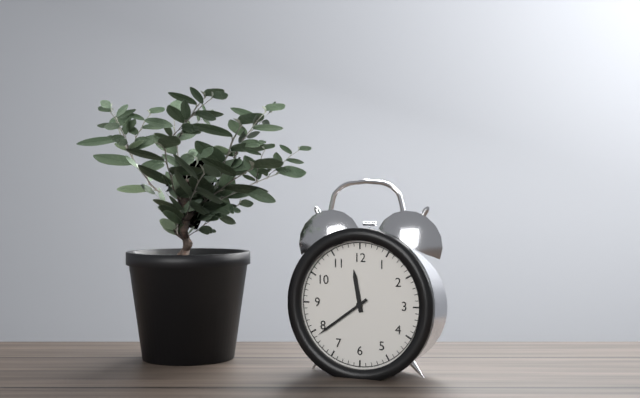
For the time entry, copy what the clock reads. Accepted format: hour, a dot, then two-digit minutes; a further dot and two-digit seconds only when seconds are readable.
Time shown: 11.39
